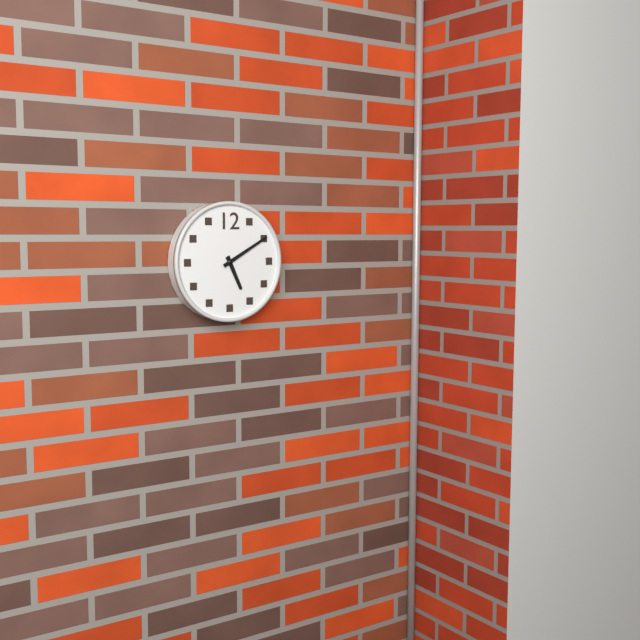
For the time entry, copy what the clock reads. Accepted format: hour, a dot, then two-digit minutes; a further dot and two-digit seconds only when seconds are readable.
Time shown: 5.10
